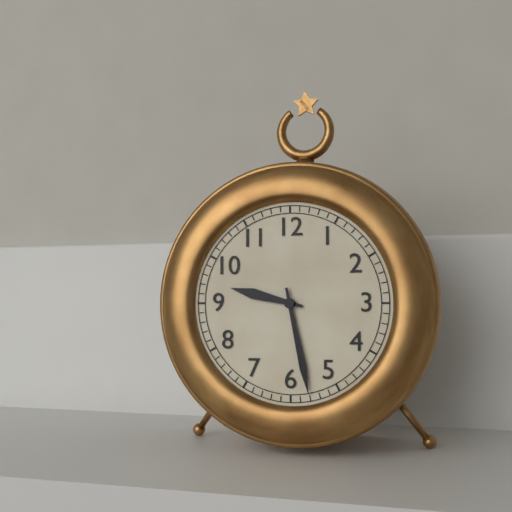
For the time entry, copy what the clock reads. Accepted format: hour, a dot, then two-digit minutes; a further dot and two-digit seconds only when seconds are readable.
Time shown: 9.28
